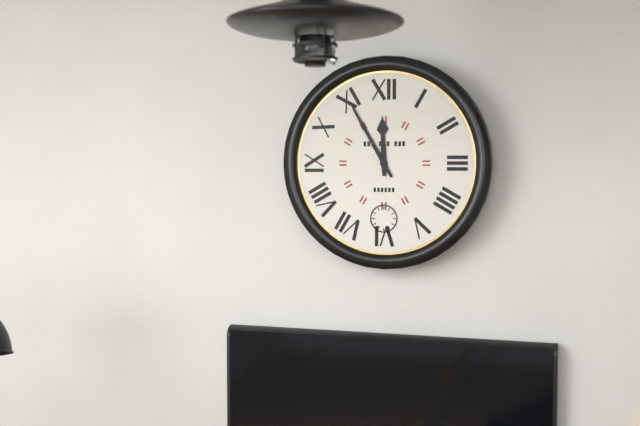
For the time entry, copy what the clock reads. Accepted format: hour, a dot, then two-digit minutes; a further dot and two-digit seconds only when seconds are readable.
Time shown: 11.55
